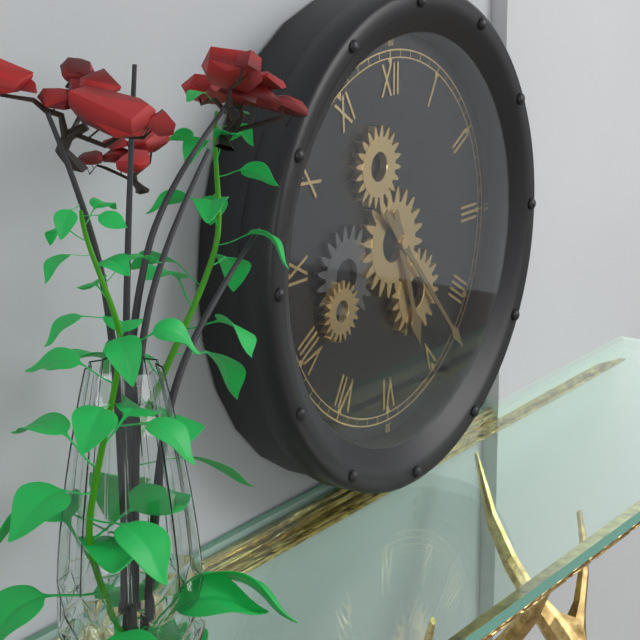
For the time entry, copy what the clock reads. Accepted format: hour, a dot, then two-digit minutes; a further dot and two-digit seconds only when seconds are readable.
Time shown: 5.23
